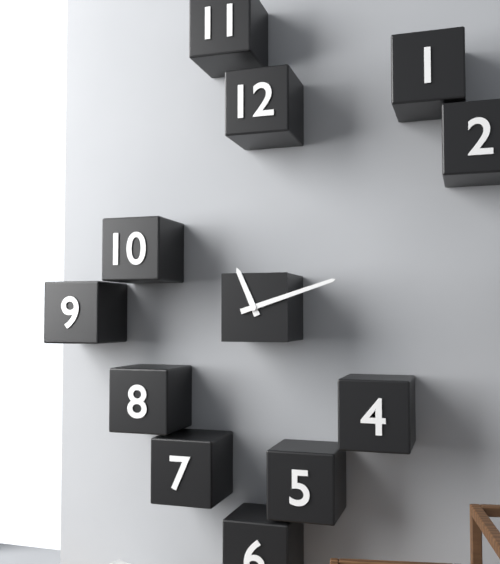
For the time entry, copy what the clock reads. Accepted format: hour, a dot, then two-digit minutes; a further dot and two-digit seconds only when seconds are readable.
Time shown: 11.12
